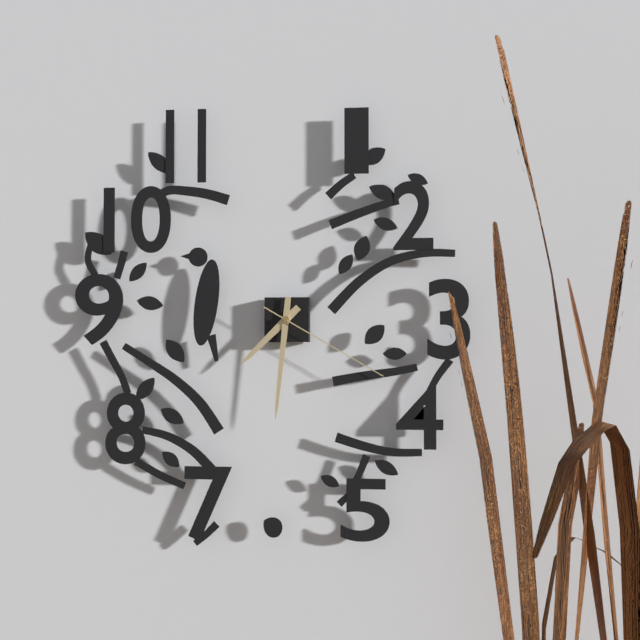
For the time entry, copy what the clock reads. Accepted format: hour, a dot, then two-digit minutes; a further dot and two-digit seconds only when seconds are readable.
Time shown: 7.31.20
